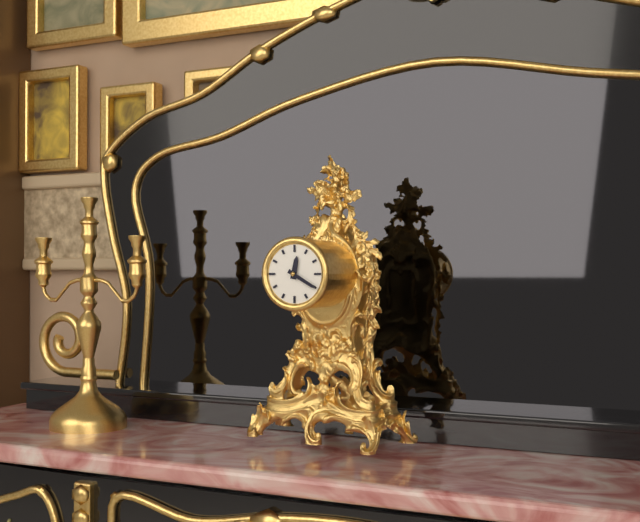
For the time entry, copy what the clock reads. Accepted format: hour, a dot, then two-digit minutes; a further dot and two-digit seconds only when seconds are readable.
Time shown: 12.20
